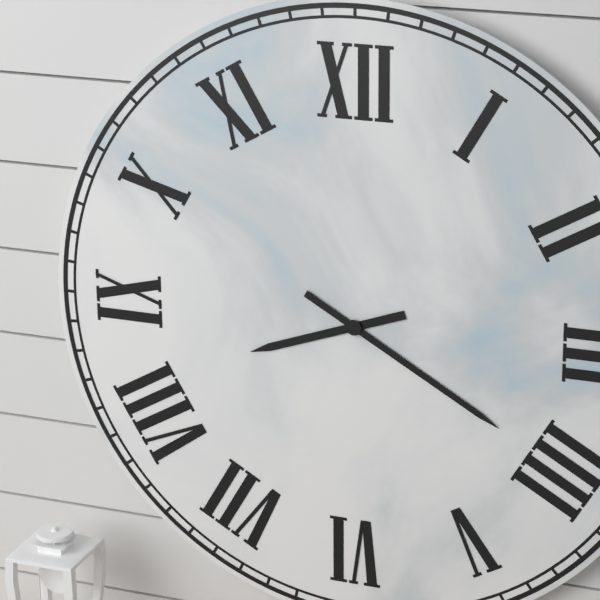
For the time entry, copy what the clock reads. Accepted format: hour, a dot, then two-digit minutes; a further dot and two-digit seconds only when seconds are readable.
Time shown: 8.20
